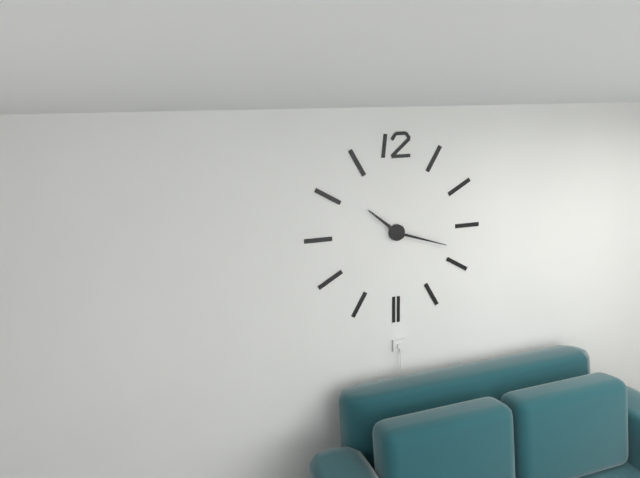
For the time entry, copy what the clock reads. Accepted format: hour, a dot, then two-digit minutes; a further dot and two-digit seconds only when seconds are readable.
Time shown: 10.18
